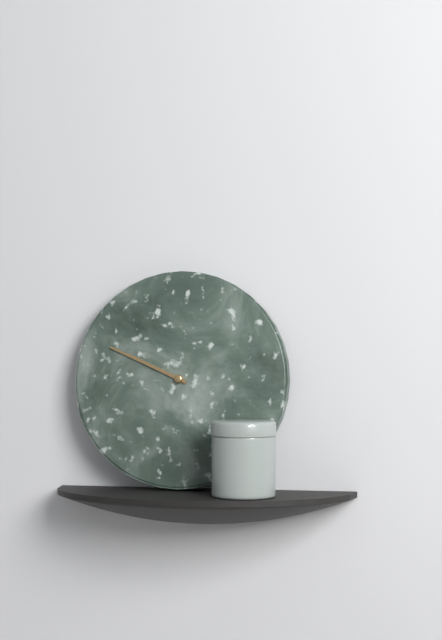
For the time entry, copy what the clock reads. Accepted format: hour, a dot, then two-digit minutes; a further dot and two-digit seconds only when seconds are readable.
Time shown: 9.49
